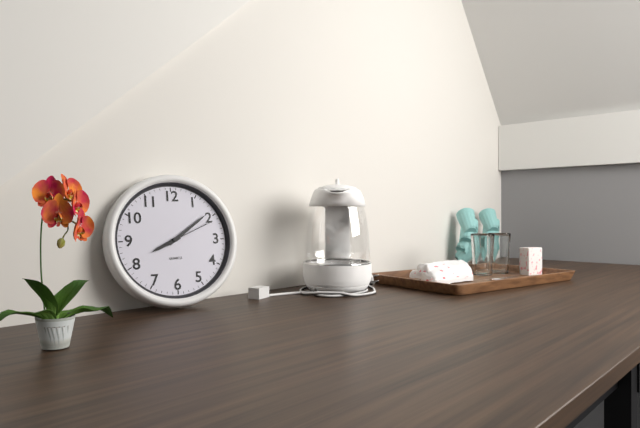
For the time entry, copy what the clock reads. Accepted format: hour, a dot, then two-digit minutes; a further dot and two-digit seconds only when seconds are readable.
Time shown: 8.09.11
